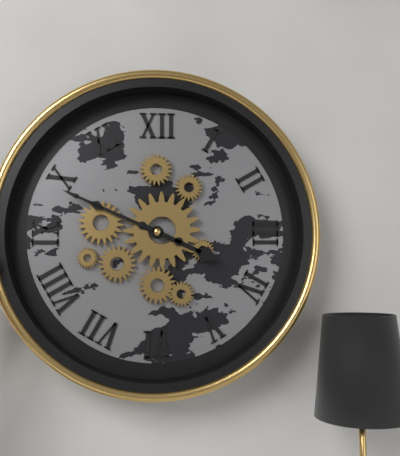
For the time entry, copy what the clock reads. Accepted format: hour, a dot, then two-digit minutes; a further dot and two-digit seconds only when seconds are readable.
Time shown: 3.49
